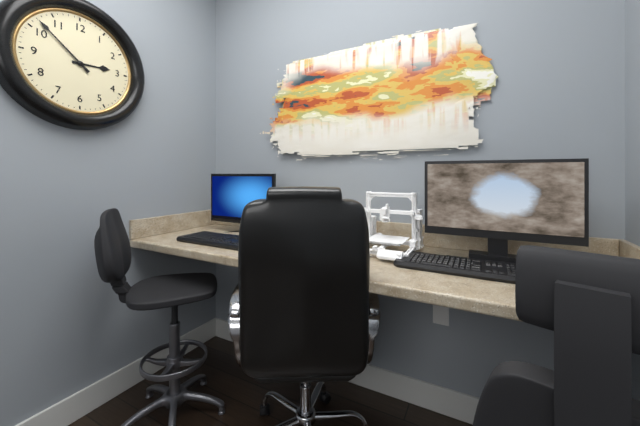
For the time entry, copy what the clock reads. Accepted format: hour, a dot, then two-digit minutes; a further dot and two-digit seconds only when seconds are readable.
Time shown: 2.52
